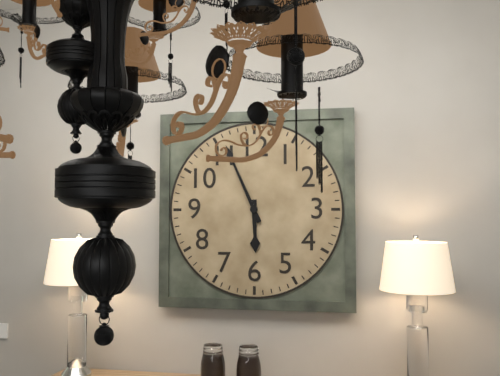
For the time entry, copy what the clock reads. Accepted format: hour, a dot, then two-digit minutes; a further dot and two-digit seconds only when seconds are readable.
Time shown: 5.56
